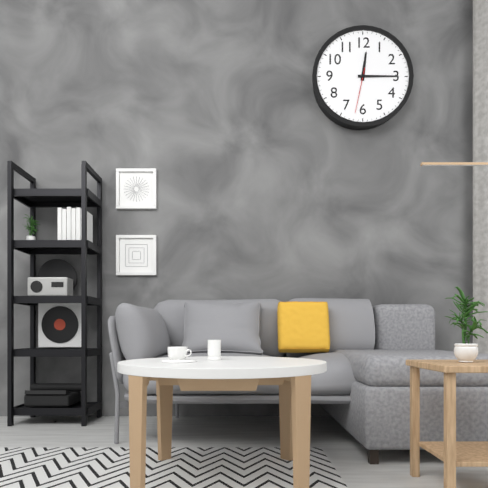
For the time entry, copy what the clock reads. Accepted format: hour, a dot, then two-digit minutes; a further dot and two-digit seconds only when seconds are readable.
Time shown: 12.15
